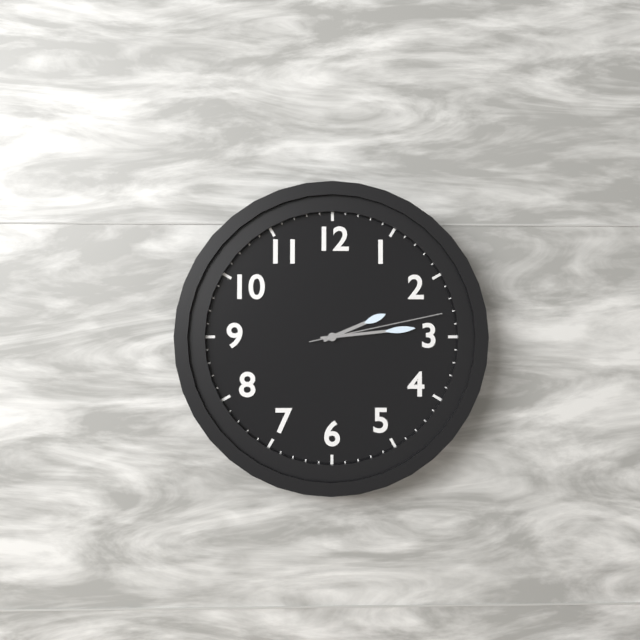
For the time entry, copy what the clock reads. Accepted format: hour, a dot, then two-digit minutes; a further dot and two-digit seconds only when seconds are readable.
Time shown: 2.14.13
